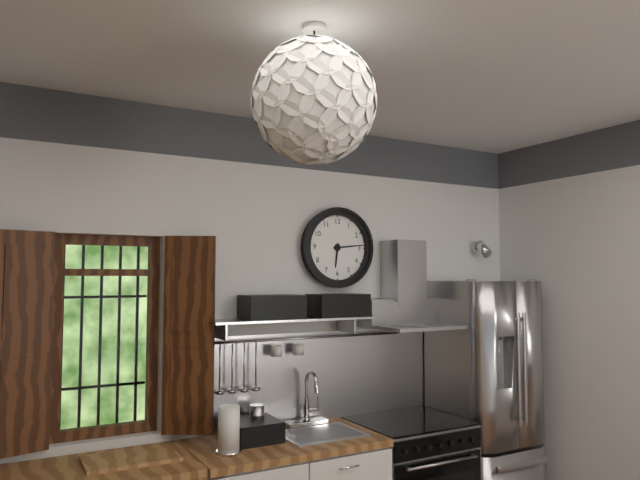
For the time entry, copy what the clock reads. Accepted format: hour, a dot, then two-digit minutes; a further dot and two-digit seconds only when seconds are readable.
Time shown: 6.14
